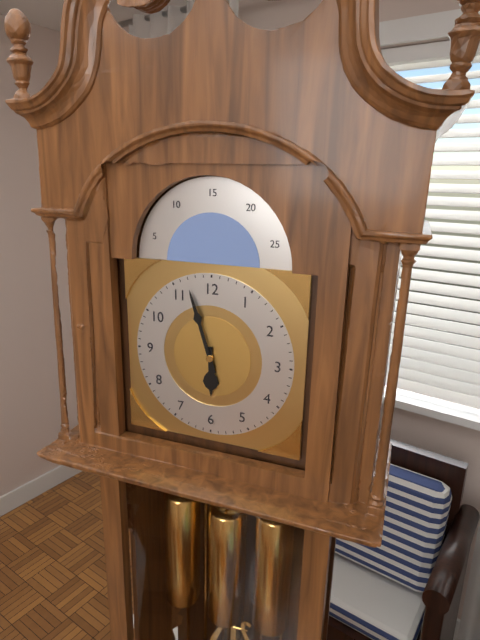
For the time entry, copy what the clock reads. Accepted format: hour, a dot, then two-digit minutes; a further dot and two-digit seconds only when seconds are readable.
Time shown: 5.57
